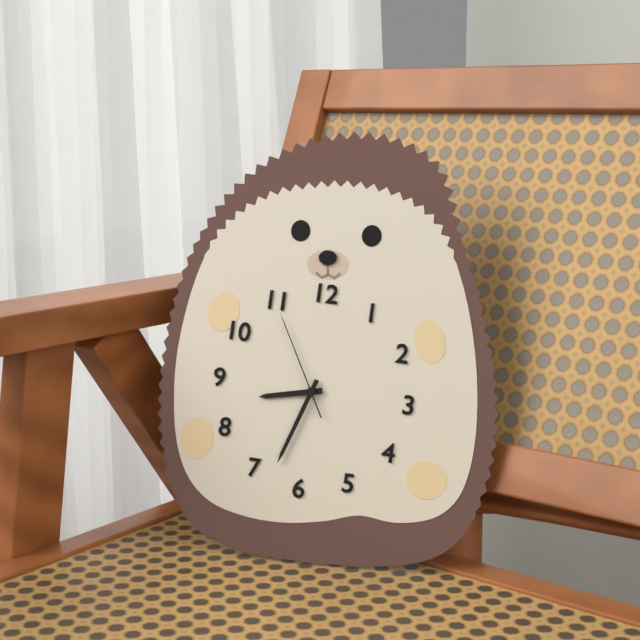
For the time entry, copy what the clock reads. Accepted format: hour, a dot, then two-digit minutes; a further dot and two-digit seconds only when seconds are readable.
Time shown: 8.33.55
